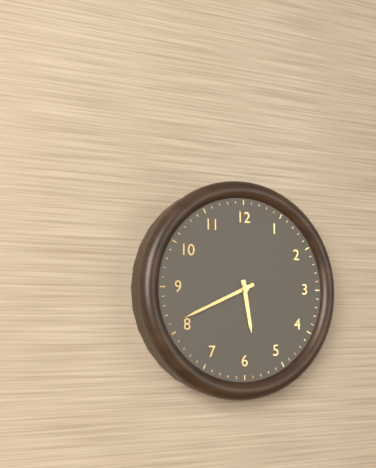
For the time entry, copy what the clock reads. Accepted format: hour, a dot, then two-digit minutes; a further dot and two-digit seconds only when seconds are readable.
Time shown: 5.41
